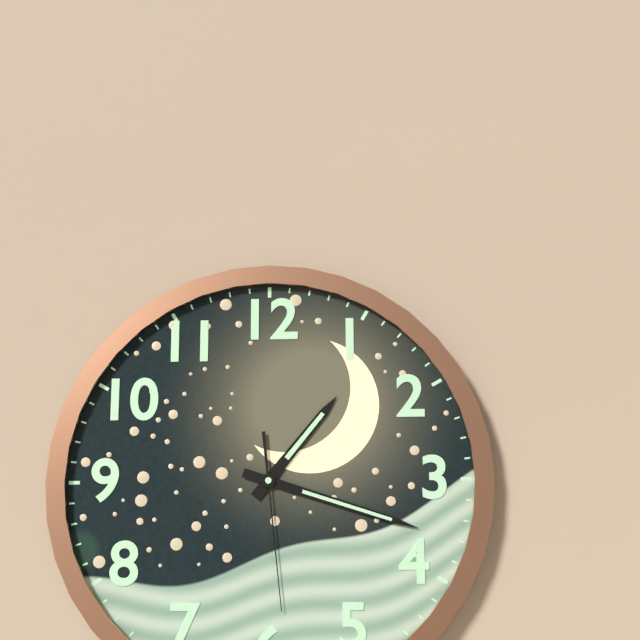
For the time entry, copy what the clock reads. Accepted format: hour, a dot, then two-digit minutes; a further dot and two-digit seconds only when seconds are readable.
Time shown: 1.18.29
